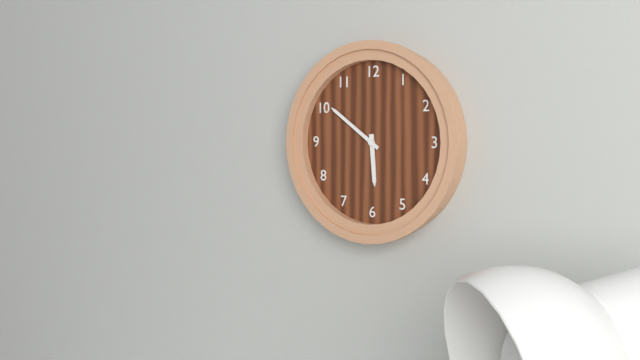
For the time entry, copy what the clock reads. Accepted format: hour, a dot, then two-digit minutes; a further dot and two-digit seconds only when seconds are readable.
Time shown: 5.51
